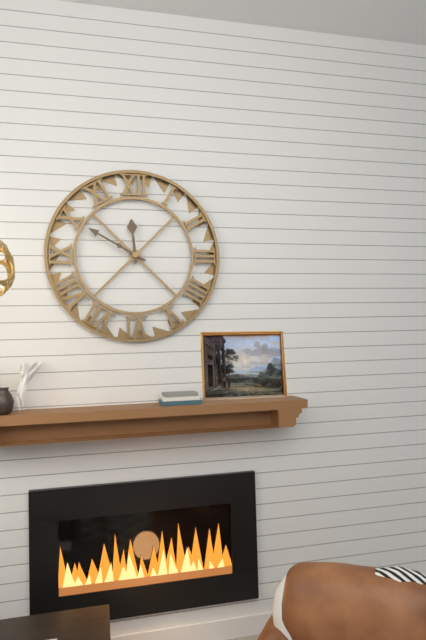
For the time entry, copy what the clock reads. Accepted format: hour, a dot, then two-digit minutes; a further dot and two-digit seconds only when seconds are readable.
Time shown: 11.50
